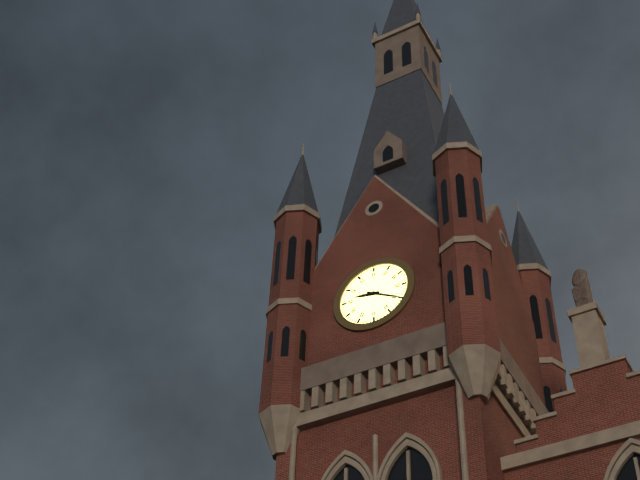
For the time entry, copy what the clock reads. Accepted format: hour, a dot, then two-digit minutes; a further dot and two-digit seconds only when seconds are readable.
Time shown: 9.20
